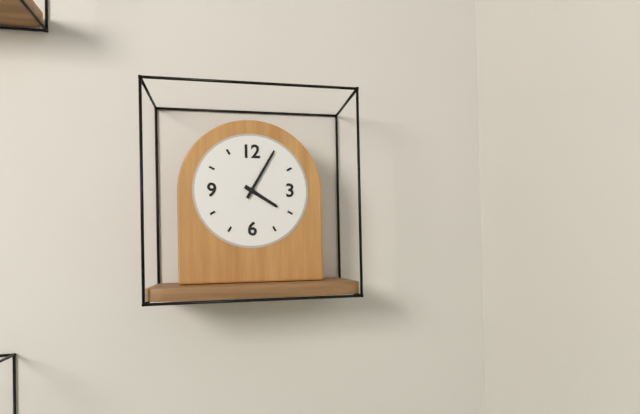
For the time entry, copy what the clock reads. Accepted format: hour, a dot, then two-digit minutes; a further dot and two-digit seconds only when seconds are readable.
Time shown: 4.05
